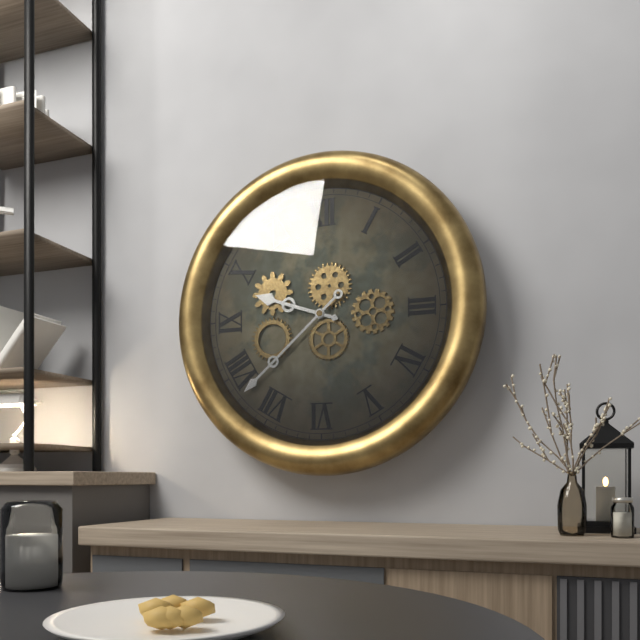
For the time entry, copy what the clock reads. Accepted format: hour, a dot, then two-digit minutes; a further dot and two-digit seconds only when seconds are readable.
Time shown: 9.38
